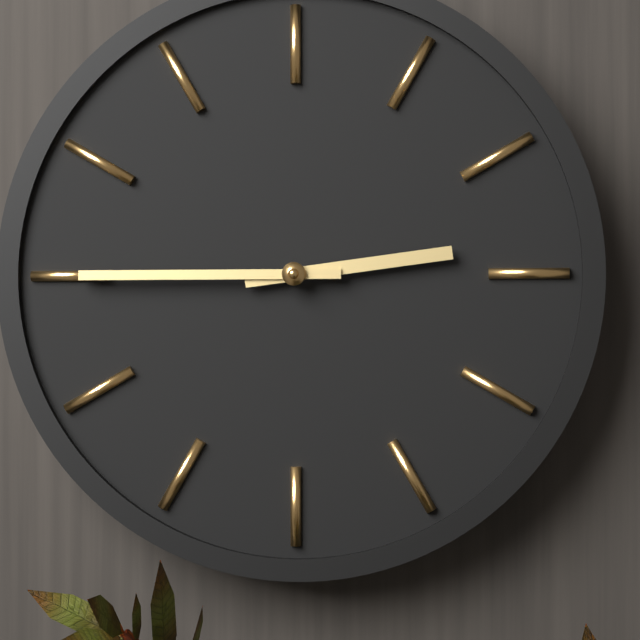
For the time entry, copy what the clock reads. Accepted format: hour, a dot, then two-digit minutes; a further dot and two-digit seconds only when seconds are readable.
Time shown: 2.45
